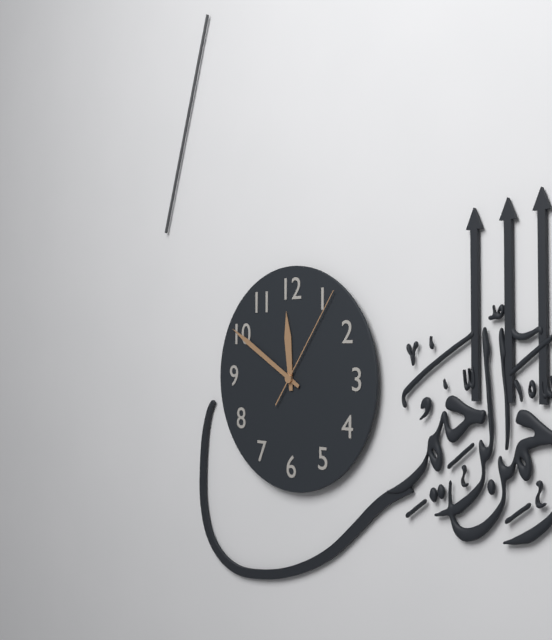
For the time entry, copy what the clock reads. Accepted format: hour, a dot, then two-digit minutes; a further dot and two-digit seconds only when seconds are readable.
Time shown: 11.50.06
